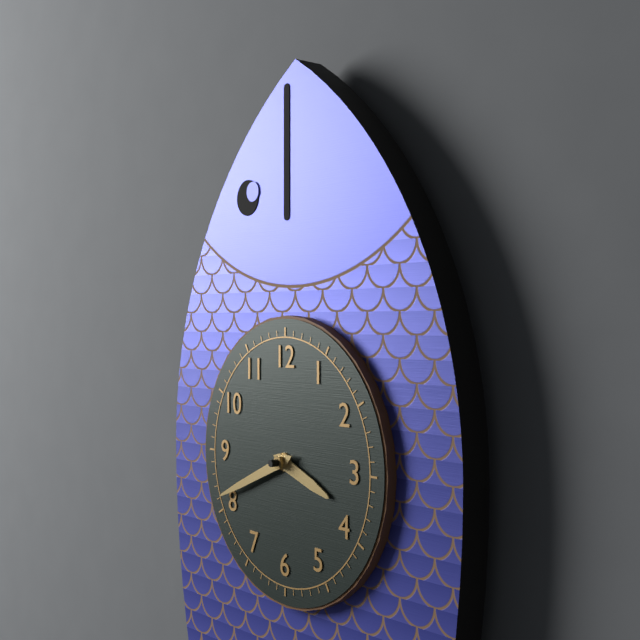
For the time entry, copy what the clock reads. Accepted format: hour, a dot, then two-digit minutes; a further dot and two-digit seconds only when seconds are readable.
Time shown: 3.41
